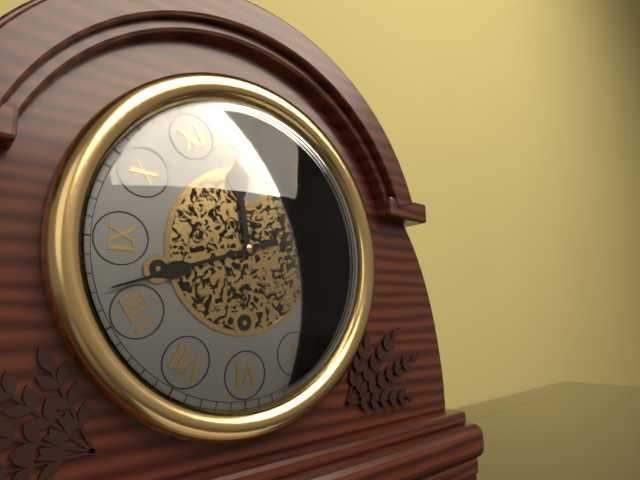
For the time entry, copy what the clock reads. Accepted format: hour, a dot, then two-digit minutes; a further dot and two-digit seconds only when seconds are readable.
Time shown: 11.42
